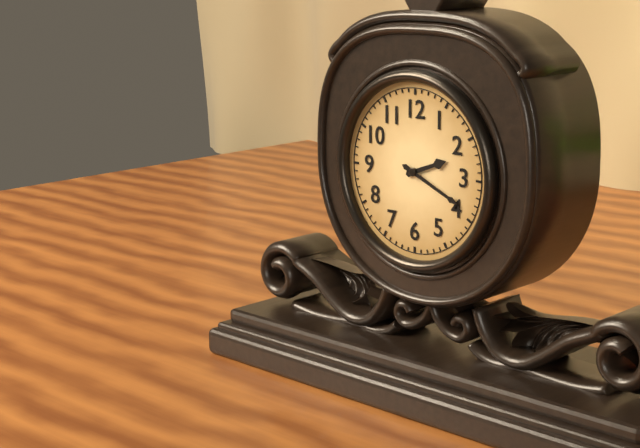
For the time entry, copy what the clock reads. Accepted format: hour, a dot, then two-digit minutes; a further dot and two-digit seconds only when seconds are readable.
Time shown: 2.19
